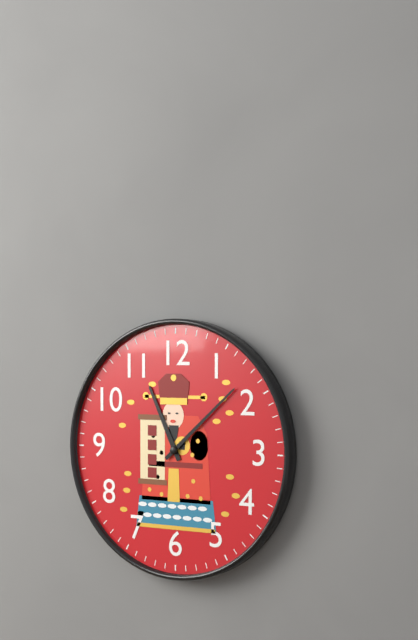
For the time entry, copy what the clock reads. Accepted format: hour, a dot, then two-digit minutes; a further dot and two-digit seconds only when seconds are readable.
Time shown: 11.08
